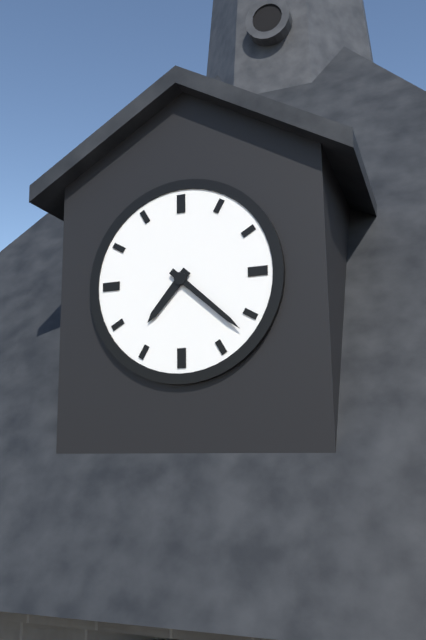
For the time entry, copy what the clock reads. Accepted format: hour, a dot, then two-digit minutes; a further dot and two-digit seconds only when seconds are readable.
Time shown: 7.22
